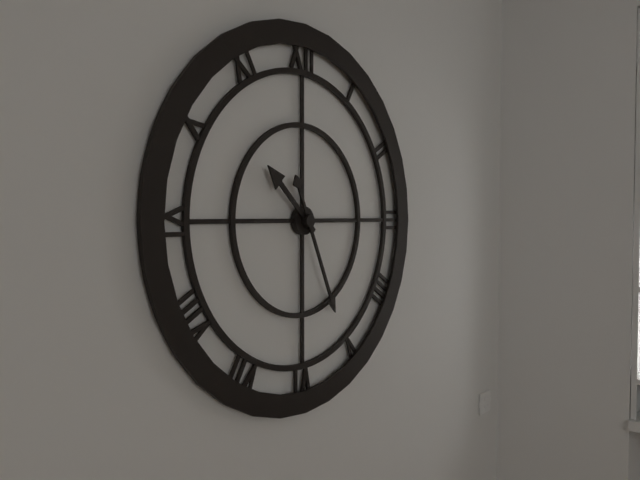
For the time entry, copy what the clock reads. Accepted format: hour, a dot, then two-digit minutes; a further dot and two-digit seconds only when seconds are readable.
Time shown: 10.26
